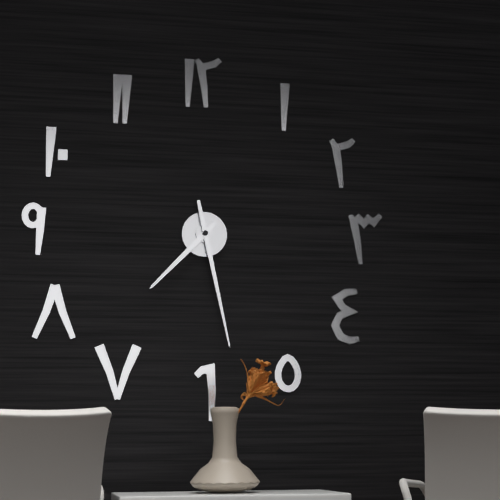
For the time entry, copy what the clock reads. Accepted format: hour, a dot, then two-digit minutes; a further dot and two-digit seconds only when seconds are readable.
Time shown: 7.28
